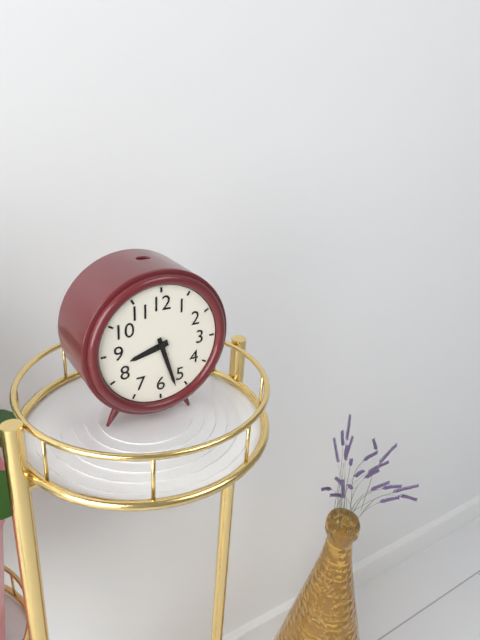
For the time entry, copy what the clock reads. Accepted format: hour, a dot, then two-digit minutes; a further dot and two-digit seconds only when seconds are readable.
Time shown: 8.27
